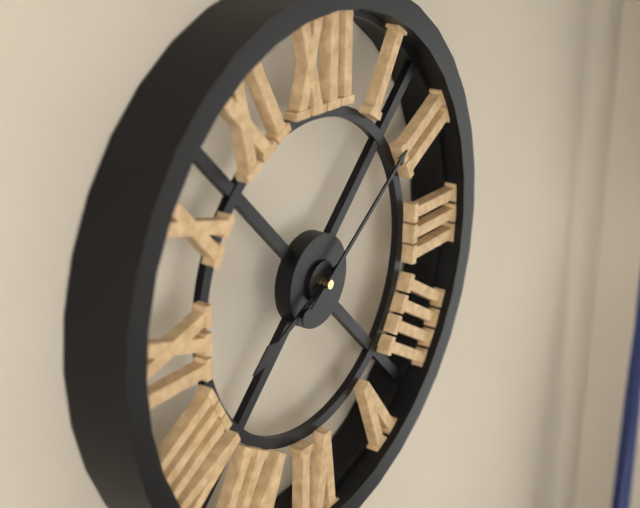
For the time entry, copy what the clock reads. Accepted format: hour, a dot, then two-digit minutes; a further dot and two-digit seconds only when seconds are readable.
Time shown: 8.09
